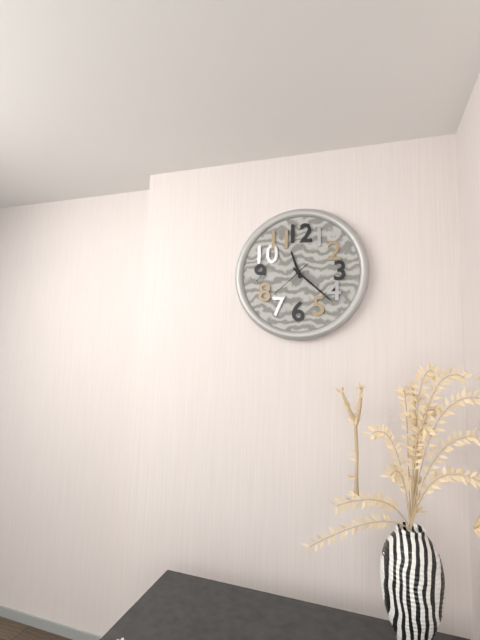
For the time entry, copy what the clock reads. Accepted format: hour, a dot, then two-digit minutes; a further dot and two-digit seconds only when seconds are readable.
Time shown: 11.22
